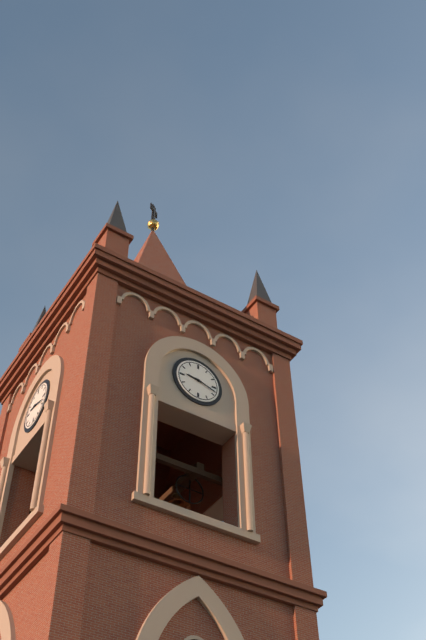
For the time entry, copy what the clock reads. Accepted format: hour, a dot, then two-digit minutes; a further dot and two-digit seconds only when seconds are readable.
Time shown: 9.18
